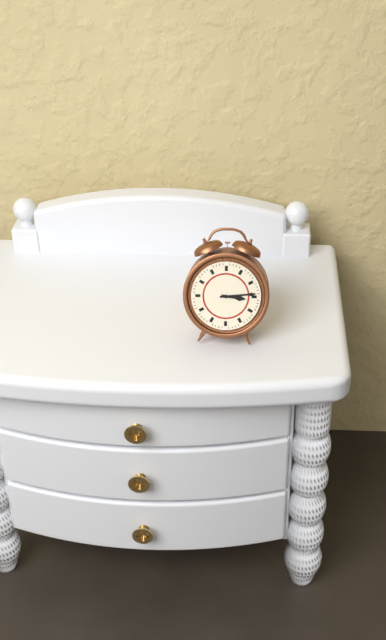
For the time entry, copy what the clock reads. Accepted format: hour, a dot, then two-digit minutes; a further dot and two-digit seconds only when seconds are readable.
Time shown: 3.14
